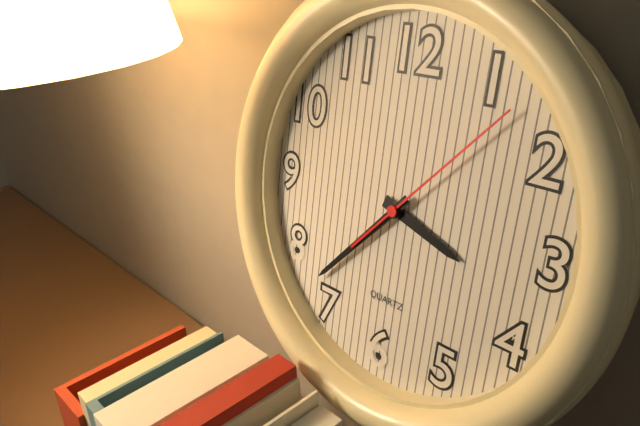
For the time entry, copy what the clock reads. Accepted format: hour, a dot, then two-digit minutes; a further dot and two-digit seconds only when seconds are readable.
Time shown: 3.37.07
